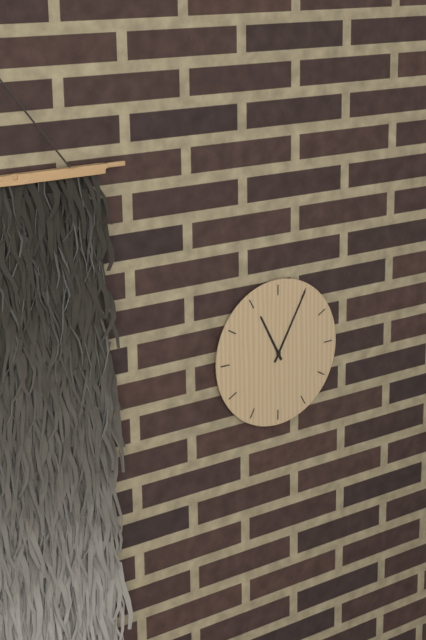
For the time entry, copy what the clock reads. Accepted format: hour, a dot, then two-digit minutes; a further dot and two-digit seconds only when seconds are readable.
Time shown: 11.05
